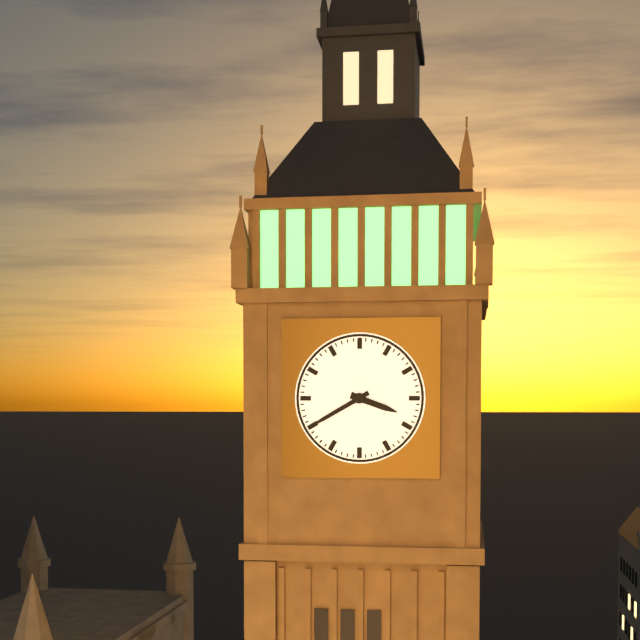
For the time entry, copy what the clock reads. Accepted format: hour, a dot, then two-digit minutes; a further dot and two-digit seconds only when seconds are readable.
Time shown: 3.40
